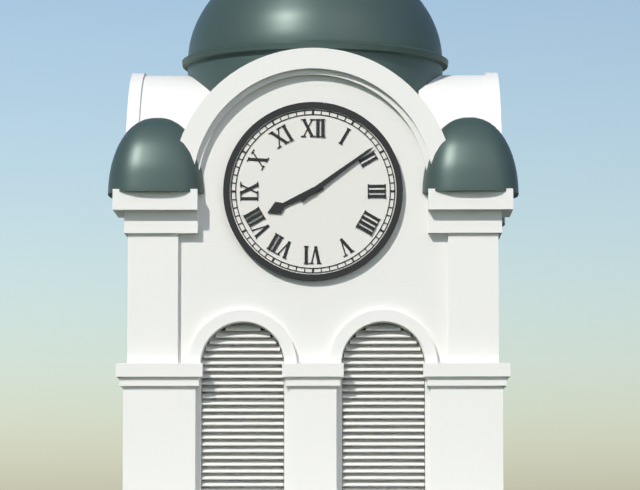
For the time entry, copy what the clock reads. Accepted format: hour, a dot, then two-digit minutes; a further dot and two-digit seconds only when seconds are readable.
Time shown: 8.09
